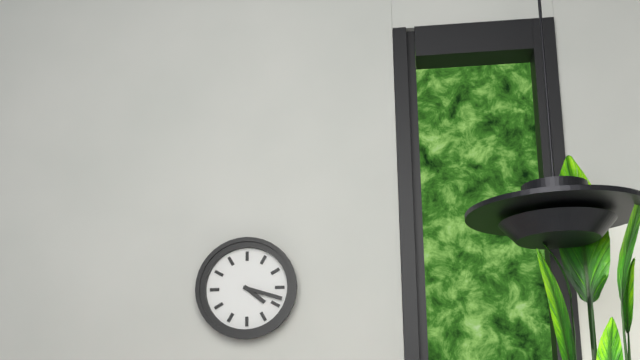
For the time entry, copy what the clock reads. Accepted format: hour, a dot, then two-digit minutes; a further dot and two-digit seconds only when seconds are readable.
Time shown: 4.18
